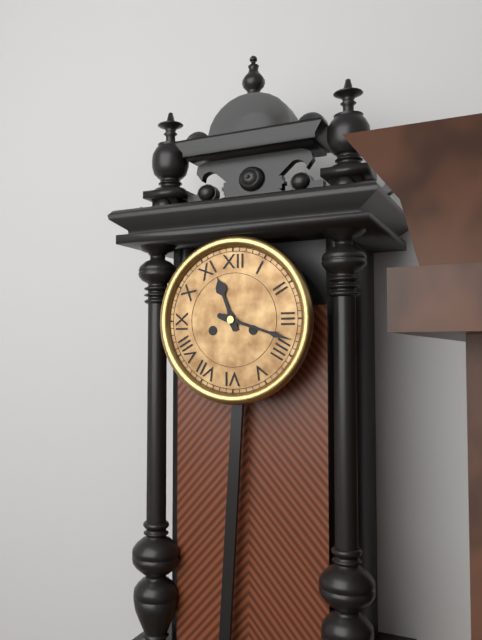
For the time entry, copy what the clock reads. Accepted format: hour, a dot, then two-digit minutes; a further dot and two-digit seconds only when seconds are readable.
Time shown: 11.18
